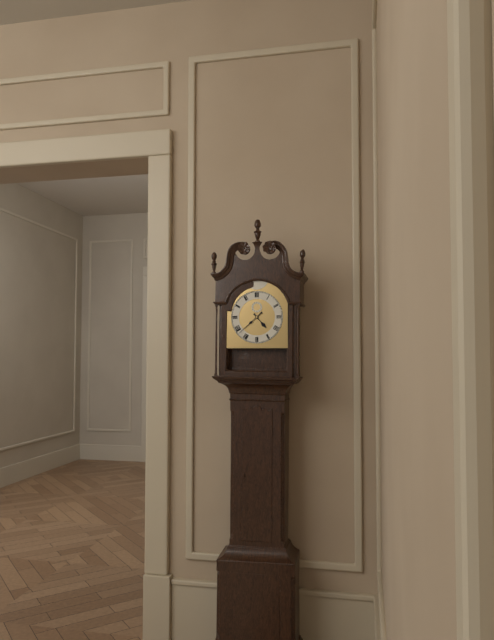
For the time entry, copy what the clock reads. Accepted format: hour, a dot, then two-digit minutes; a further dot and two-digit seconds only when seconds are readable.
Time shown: 4.38
